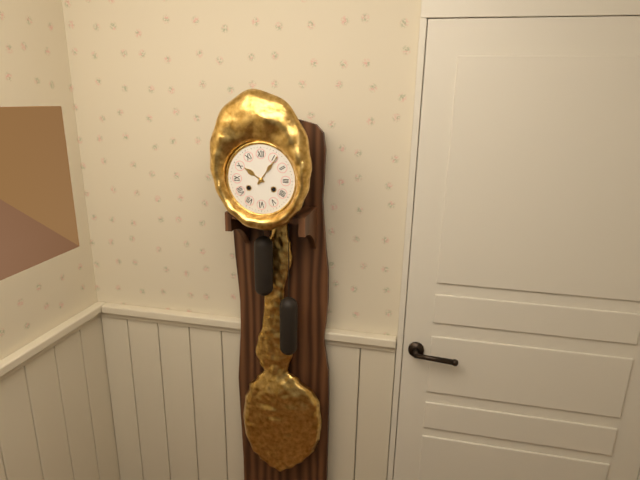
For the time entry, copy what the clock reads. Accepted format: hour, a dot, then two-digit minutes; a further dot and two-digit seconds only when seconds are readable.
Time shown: 10.06
